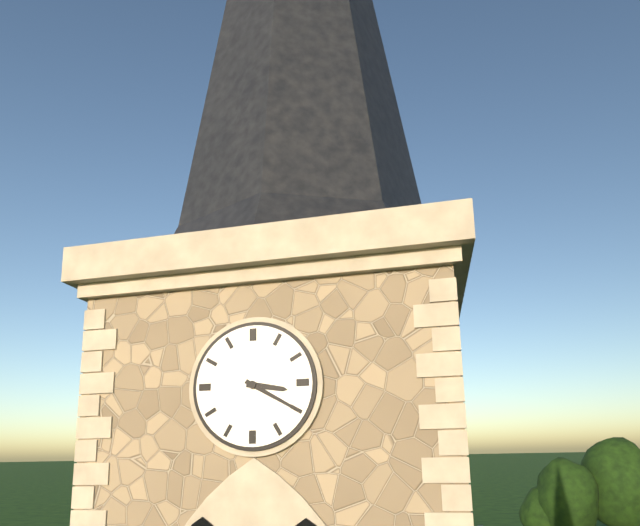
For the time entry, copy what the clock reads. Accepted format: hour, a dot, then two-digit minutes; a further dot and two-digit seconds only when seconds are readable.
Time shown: 3.20
